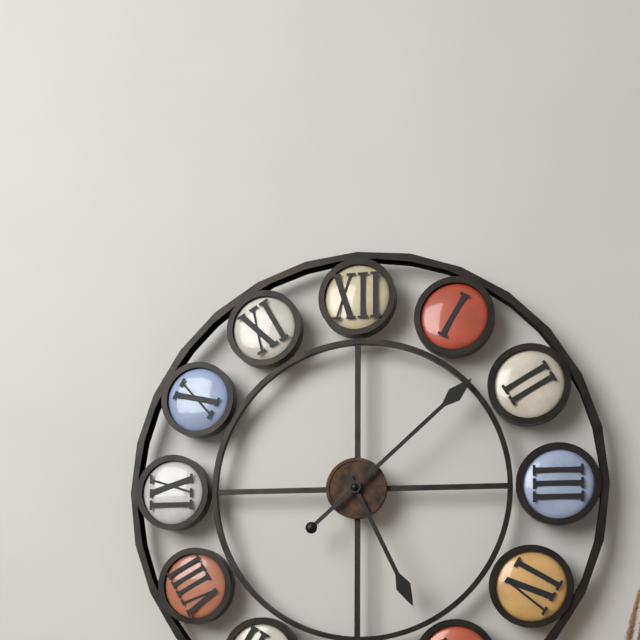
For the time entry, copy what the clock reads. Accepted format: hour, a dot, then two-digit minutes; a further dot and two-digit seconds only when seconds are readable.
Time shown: 5.08
